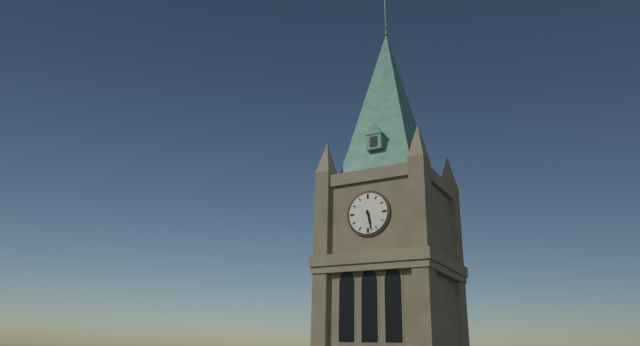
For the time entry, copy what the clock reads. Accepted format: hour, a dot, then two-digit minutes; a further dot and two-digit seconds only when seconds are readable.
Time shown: 5.28
